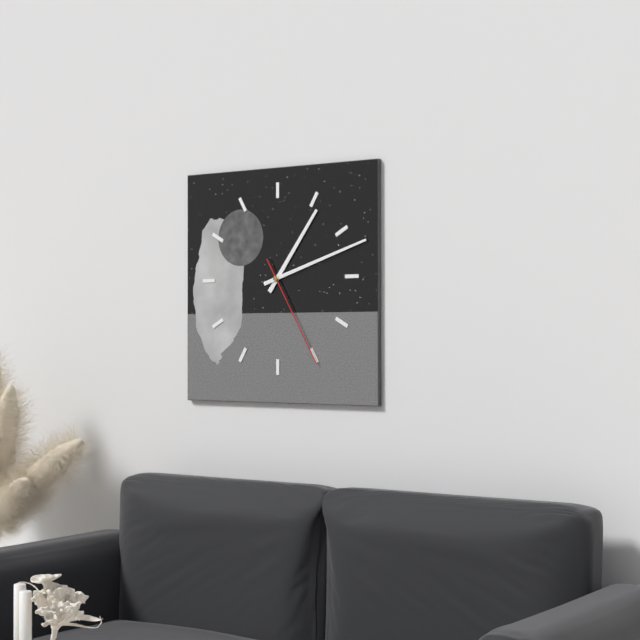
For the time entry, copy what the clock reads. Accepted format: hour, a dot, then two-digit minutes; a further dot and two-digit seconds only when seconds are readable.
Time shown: 1.12.25
